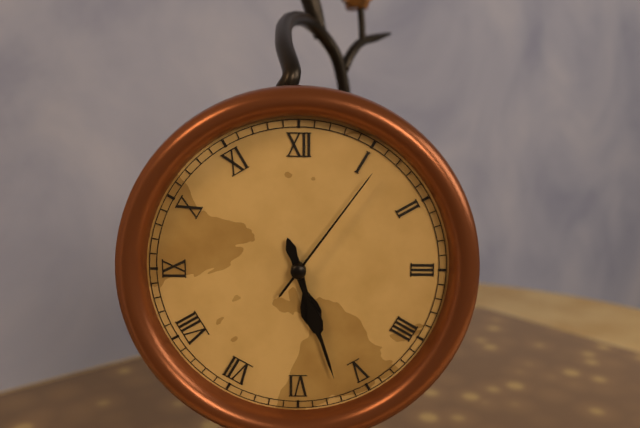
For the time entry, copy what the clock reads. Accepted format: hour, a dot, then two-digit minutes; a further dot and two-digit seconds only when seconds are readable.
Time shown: 5.27.06
